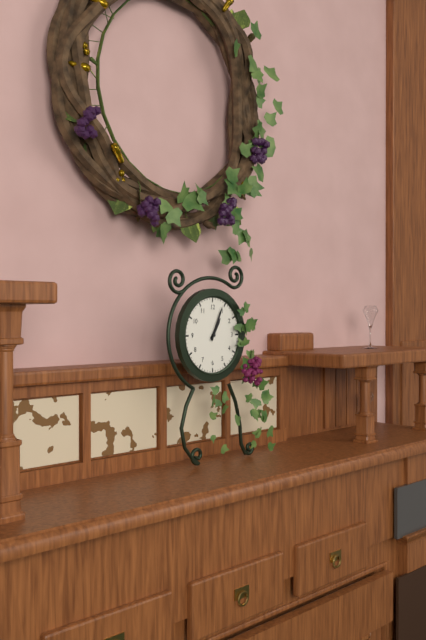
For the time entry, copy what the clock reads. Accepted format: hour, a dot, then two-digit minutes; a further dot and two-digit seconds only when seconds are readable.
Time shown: 1.04
